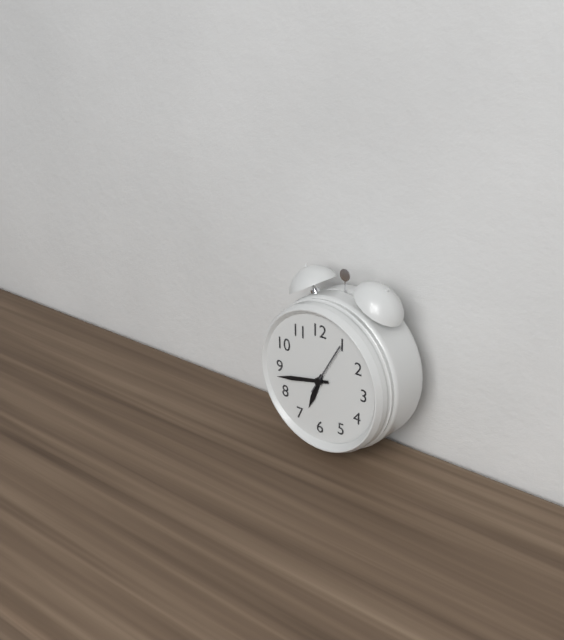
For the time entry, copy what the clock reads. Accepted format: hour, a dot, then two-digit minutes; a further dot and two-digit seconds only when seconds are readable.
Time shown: 6.43
